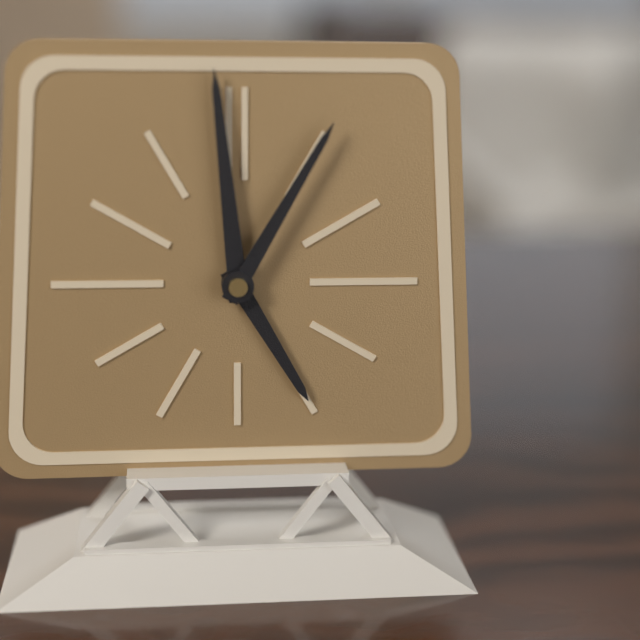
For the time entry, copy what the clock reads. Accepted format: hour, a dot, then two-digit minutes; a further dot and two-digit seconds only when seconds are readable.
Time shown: 4.59.05
